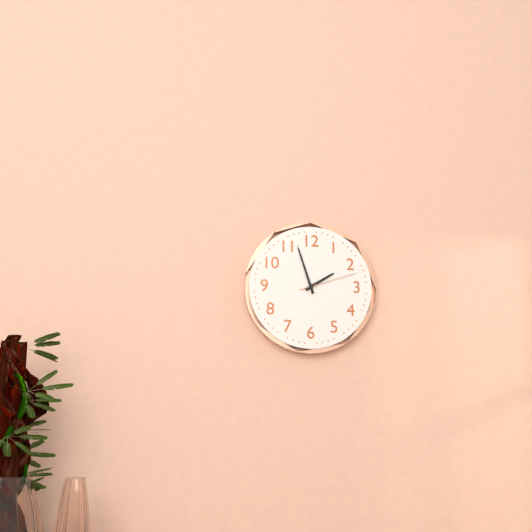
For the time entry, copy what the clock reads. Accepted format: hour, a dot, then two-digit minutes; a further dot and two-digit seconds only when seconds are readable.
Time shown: 1.57.12
